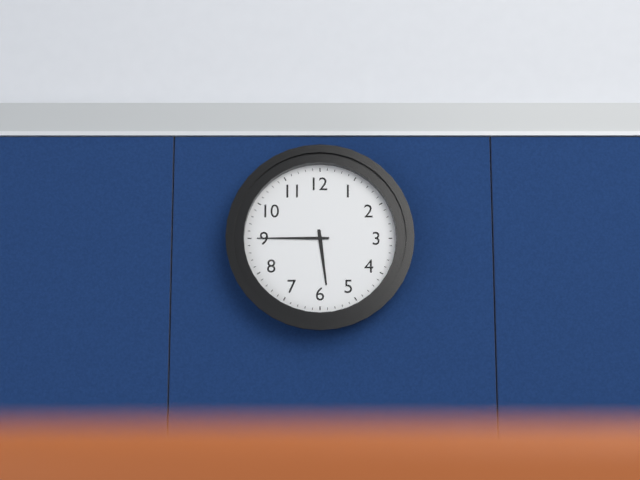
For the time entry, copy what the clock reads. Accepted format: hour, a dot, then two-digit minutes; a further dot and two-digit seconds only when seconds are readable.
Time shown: 5.45
